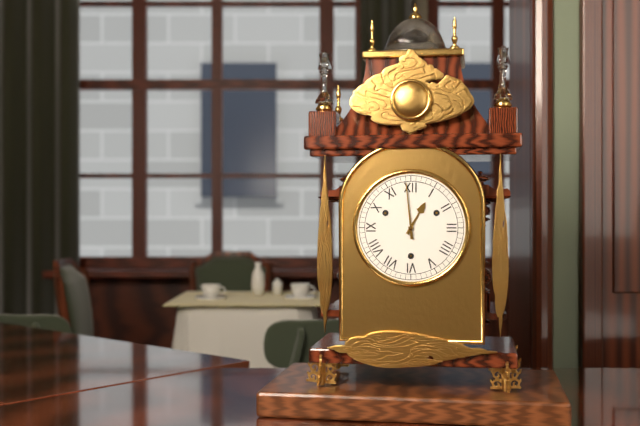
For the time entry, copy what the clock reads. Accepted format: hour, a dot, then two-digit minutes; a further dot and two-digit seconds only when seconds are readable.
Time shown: 12.59
